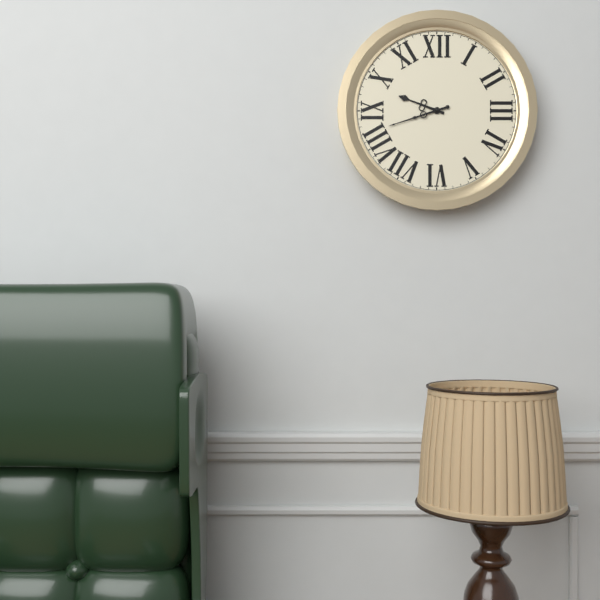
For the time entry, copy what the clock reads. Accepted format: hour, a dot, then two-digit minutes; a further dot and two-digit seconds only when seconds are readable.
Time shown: 9.42
